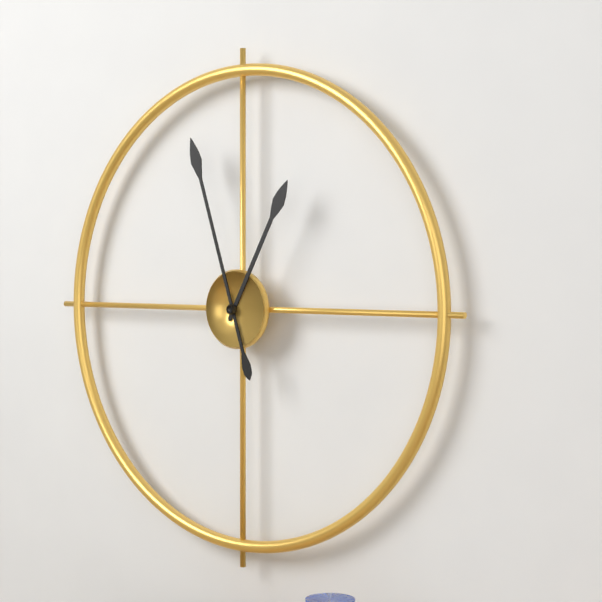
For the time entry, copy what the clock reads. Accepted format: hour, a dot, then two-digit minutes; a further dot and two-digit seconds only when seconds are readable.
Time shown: 12.57
